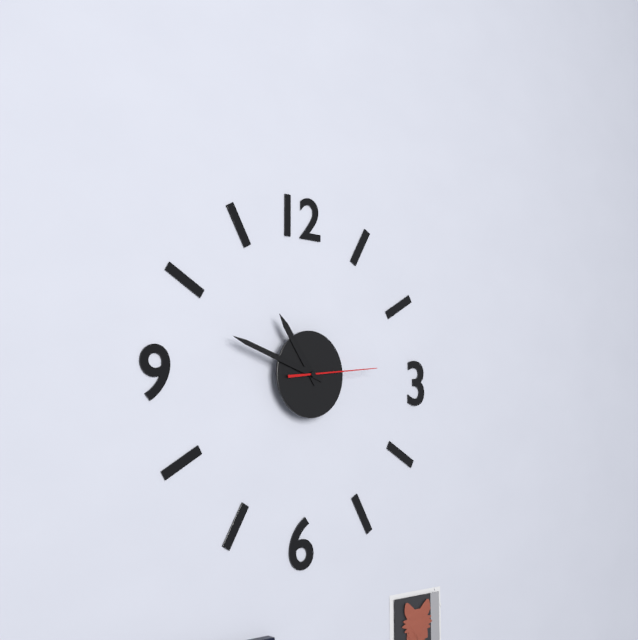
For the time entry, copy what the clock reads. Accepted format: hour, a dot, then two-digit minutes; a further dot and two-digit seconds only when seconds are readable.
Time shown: 10.48.14
